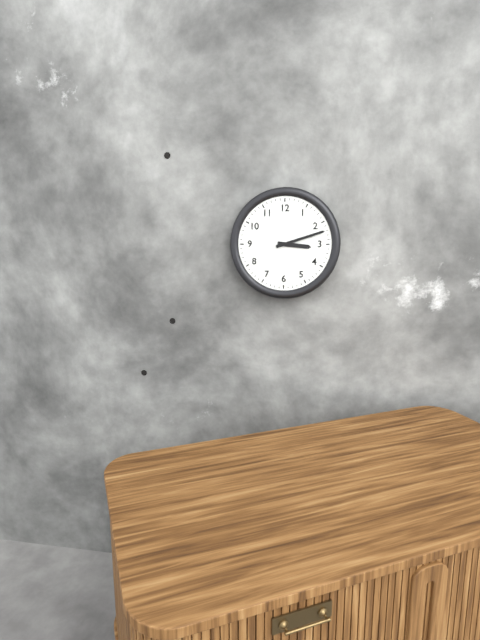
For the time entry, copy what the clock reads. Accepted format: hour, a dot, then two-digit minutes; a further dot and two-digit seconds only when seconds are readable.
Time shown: 3.12
